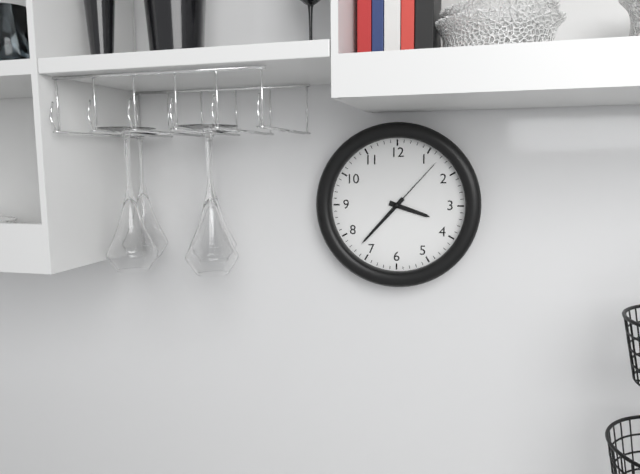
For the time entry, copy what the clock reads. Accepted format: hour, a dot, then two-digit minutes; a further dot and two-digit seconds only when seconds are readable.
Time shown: 3.37.07
